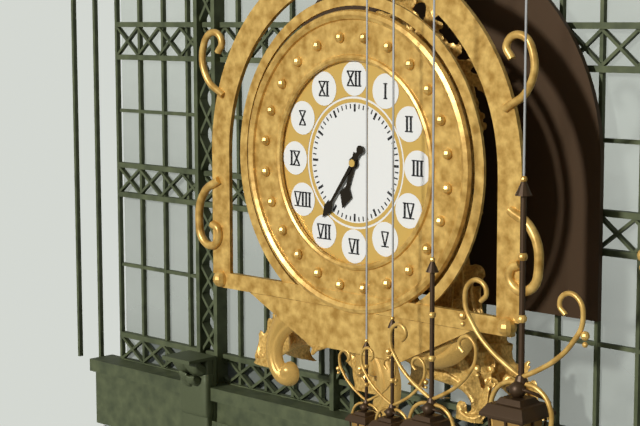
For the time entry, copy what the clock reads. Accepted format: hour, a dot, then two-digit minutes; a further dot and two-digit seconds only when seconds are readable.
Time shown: 6.36
